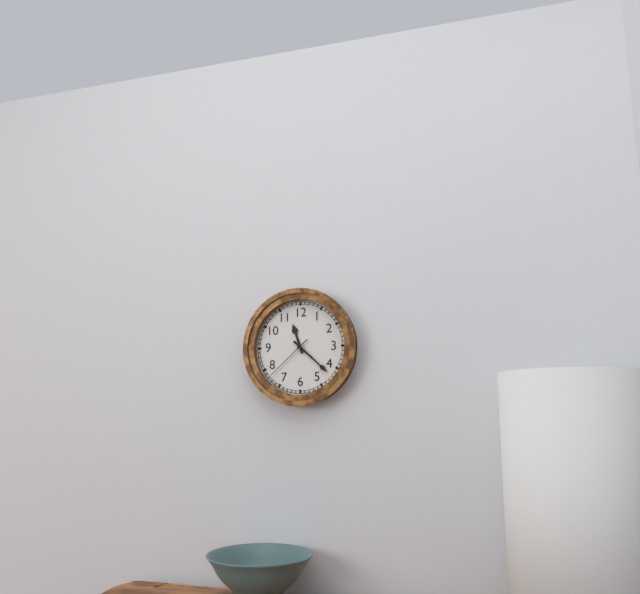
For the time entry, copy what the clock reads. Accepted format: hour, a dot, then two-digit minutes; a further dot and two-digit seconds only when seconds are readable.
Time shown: 11.22.38
